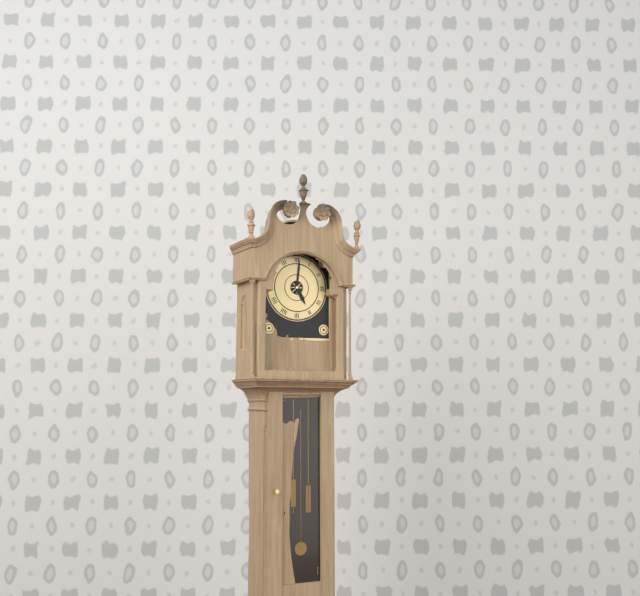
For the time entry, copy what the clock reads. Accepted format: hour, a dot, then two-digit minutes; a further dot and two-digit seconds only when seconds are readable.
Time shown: 5.01
